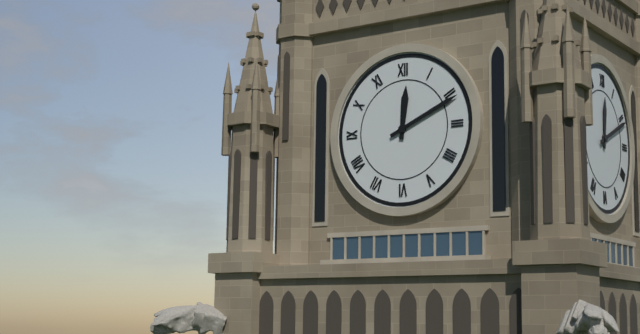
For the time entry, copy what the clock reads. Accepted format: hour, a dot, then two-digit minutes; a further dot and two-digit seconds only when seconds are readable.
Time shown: 12.11
